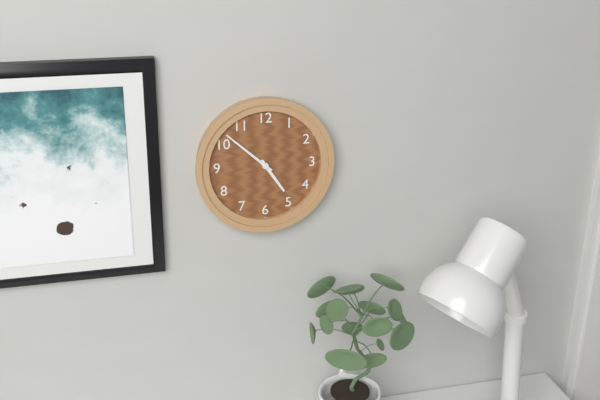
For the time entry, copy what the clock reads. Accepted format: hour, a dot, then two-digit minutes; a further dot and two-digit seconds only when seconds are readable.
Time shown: 4.52
